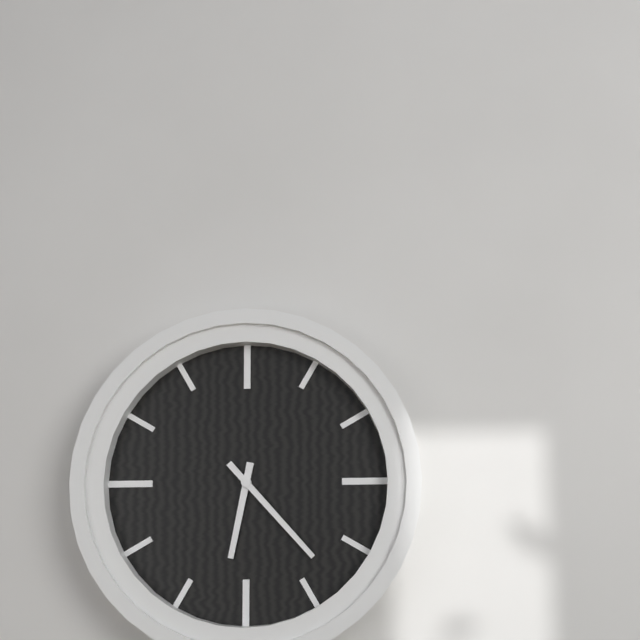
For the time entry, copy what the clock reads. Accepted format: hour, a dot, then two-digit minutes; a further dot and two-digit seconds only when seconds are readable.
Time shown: 6.23
